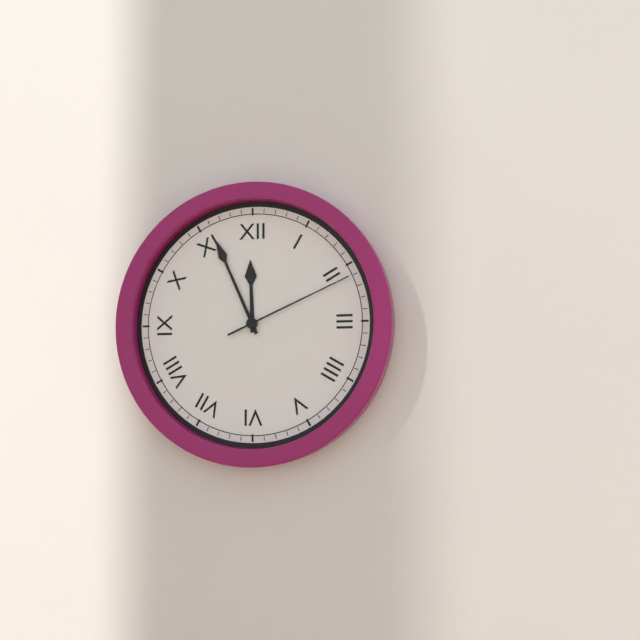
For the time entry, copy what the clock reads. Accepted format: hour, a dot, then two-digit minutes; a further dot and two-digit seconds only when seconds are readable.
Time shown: 11.56.11
